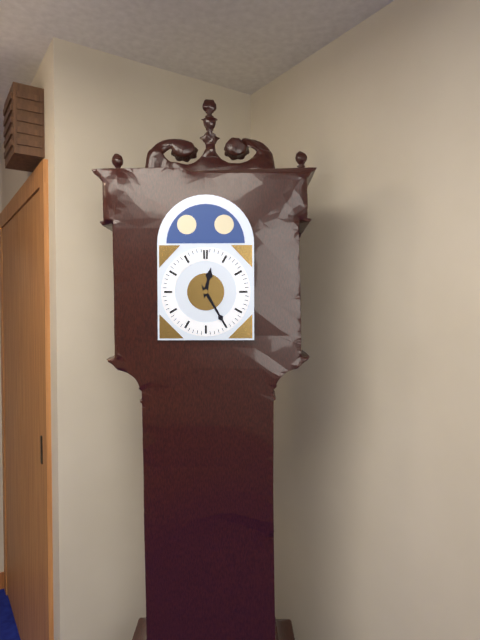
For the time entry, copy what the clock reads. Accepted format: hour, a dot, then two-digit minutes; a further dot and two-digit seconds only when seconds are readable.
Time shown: 12.25
